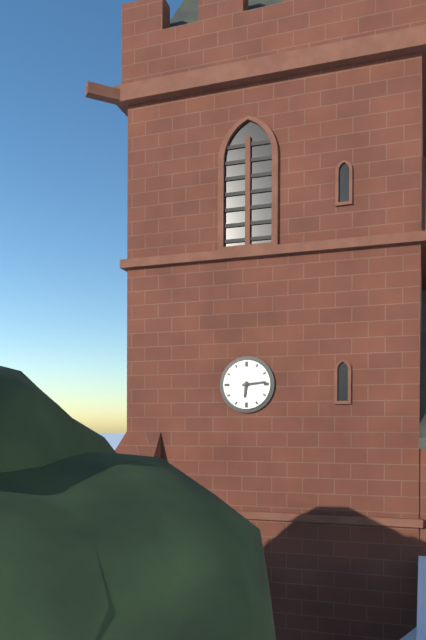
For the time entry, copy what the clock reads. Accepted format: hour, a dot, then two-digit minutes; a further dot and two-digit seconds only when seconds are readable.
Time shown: 6.14
